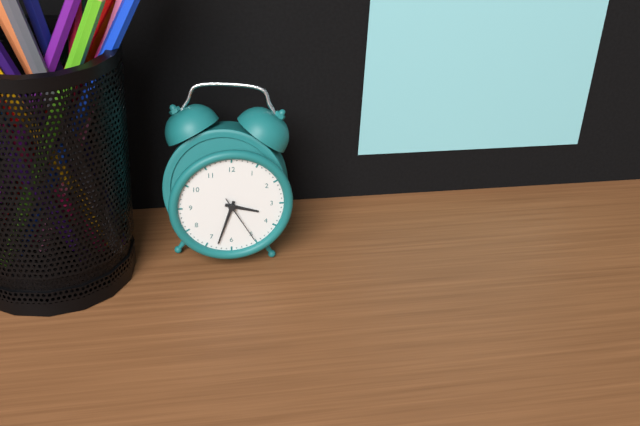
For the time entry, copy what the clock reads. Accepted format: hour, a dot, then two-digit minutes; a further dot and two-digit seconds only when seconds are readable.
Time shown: 3.33.25
